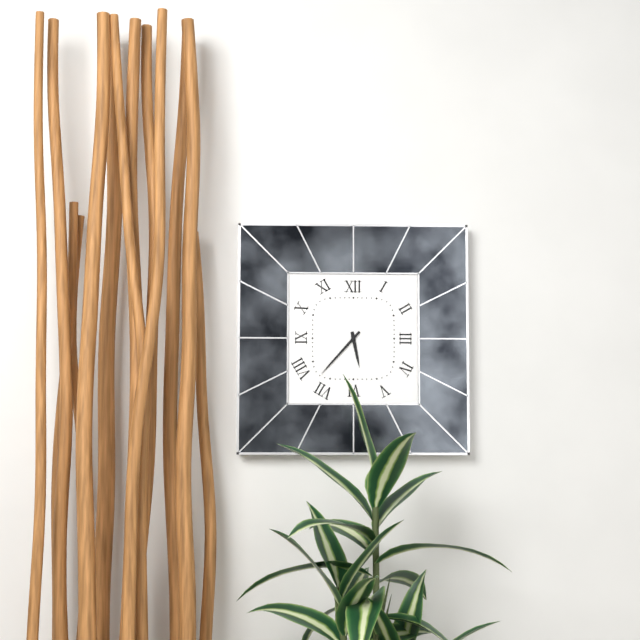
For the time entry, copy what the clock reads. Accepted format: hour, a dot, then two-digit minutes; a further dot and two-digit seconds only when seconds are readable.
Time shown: 5.37
